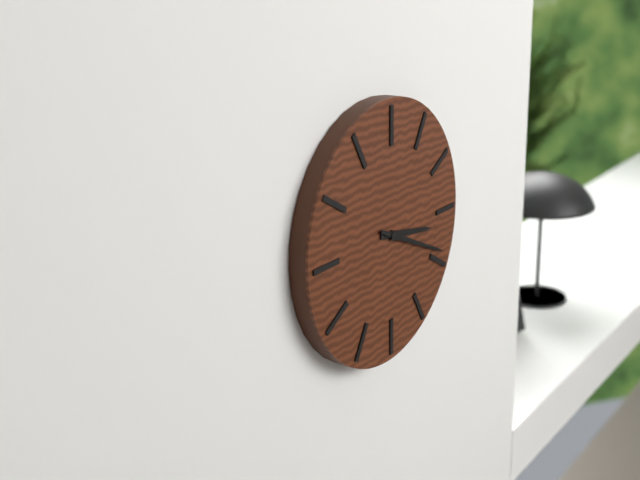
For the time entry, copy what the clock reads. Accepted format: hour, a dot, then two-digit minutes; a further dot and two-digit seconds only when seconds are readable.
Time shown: 3.19
